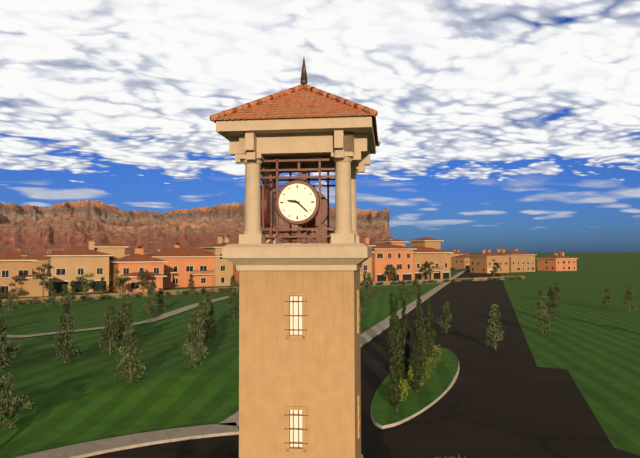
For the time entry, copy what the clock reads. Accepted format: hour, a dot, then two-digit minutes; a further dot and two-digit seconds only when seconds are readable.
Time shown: 9.22
